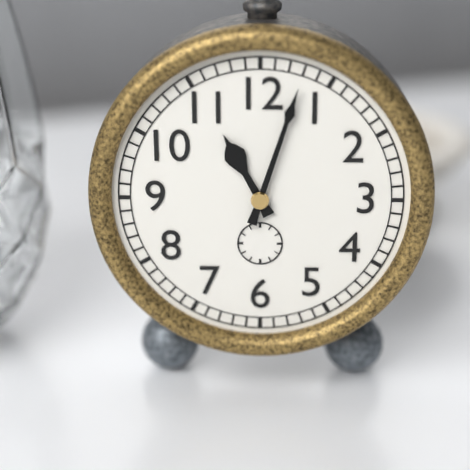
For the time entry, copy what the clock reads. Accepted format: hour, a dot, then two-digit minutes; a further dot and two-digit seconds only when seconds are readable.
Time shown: 11.03
